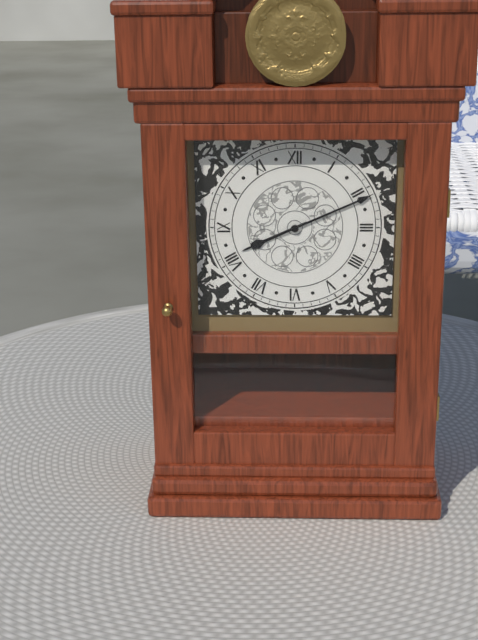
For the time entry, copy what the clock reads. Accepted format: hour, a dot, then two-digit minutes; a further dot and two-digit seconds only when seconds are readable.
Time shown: 8.11
